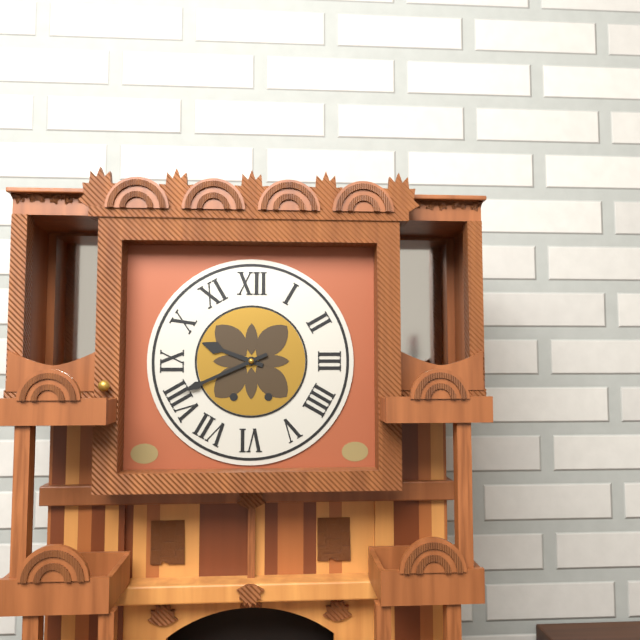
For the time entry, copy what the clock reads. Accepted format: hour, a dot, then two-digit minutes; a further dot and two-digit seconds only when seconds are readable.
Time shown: 9.41
